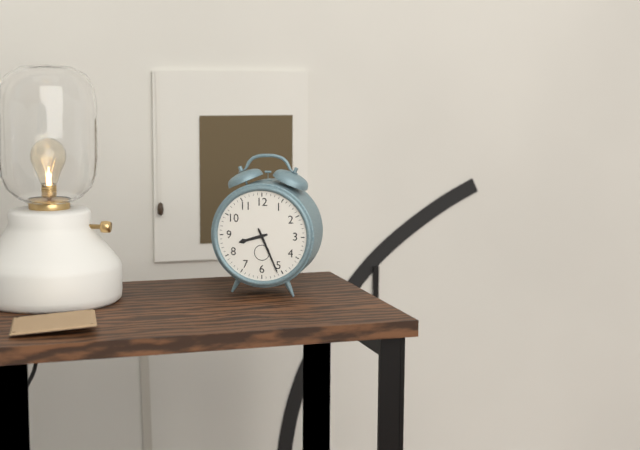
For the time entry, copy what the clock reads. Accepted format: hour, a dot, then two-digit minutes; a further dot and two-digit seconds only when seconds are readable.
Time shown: 8.26
